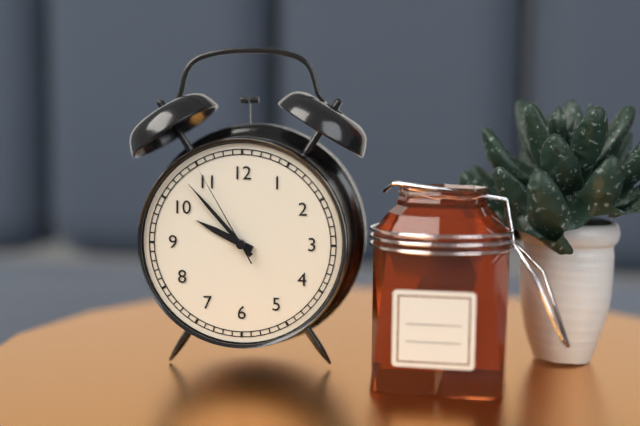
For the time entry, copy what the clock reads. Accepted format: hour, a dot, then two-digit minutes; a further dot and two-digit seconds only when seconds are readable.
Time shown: 9.53.55
